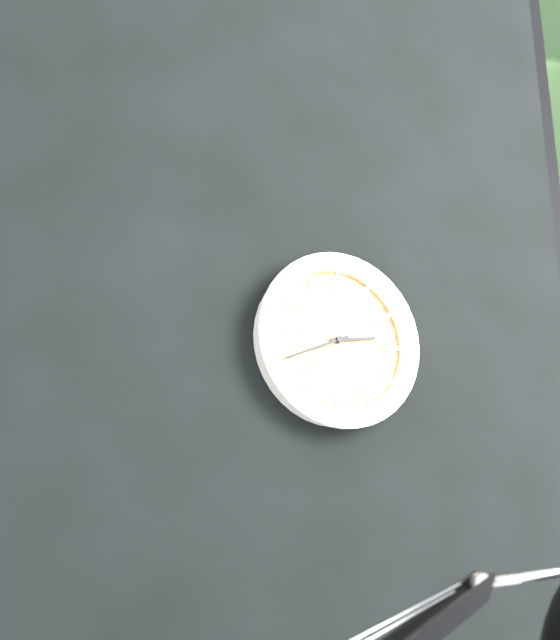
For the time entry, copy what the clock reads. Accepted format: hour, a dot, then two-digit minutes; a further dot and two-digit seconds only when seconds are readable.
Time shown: 2.41
